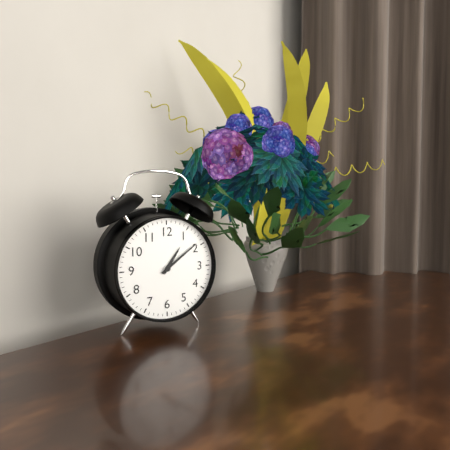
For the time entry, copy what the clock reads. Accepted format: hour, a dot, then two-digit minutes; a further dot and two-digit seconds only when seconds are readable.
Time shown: 1.09
